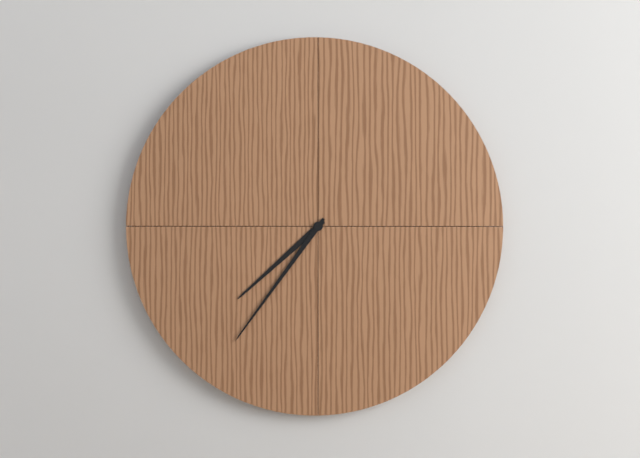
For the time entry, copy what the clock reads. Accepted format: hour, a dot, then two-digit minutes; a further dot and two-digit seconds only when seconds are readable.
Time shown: 7.36
